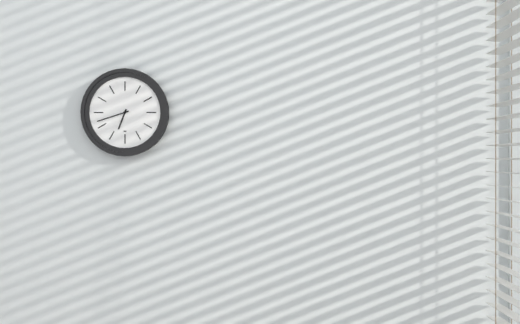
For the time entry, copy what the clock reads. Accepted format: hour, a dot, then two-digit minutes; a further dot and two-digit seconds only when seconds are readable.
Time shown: 6.42
